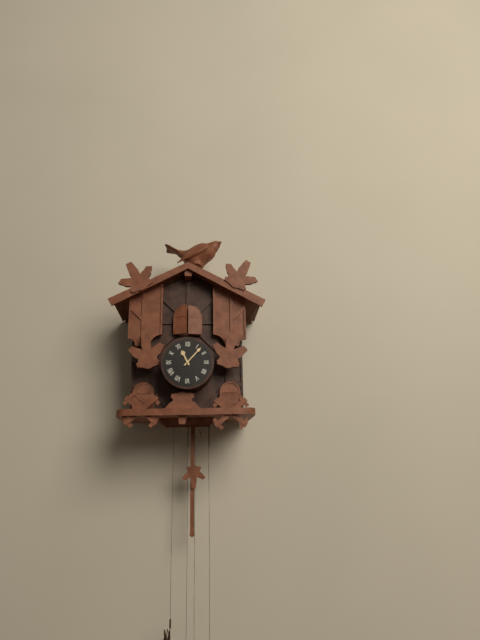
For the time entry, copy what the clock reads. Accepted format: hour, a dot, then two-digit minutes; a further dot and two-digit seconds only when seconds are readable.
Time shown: 11.07
